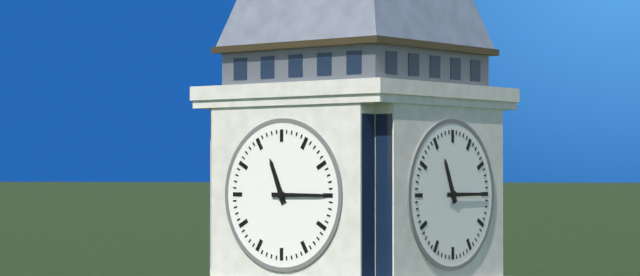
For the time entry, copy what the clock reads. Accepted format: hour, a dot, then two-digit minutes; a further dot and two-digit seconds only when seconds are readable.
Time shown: 11.15
